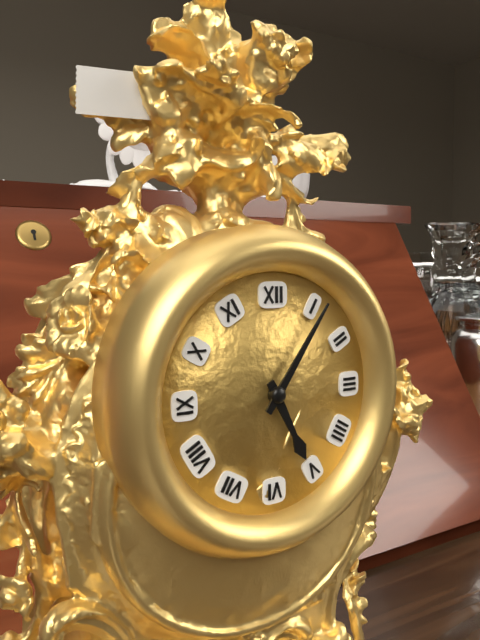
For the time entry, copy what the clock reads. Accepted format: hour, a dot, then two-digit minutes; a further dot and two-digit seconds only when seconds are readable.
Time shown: 5.06
